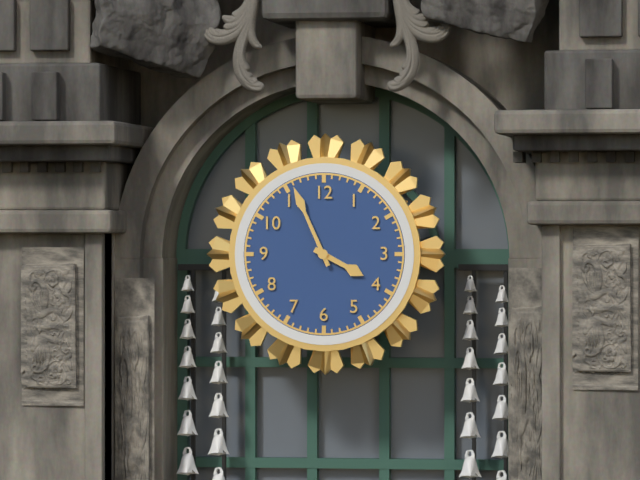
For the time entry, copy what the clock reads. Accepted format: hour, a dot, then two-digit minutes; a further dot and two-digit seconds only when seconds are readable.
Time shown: 3.56
